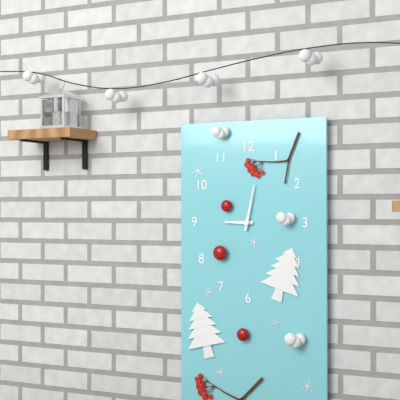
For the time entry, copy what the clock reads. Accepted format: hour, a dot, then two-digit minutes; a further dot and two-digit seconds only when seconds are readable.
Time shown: 9.02
